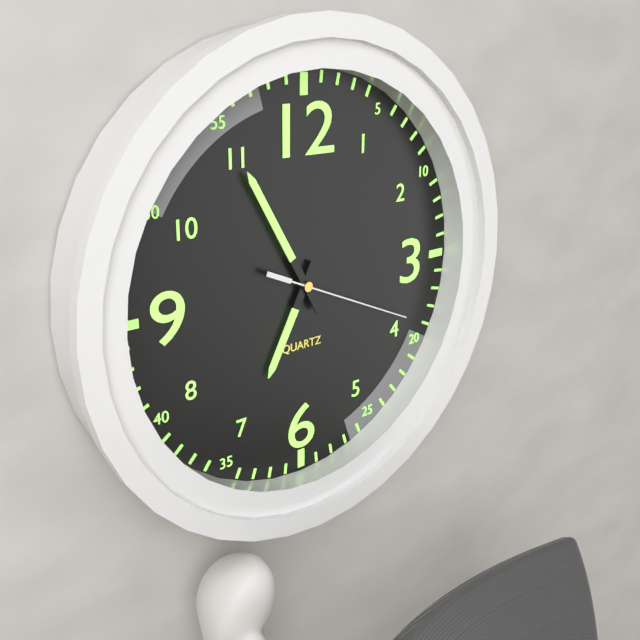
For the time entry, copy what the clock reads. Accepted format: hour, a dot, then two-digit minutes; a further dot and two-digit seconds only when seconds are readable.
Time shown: 6.55.19
